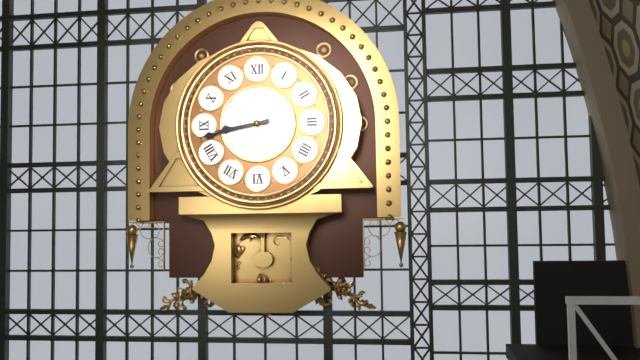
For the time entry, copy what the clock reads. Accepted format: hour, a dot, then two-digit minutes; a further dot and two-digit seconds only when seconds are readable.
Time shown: 8.43
